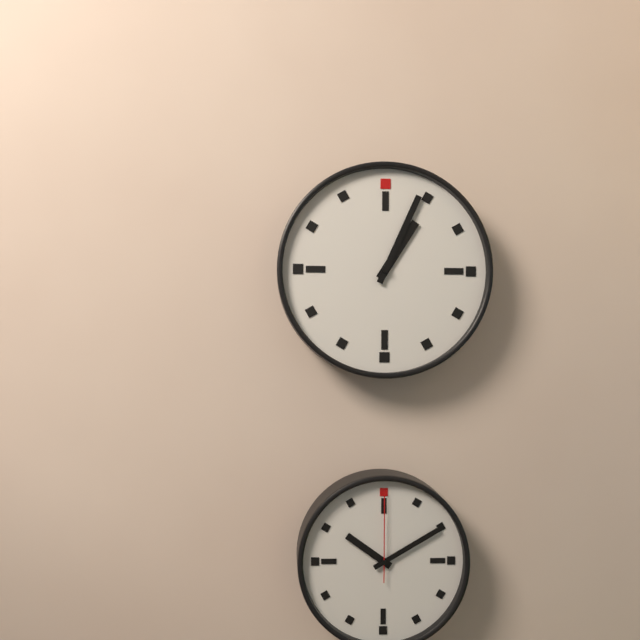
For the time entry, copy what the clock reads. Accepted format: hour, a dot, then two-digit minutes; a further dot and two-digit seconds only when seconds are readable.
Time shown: 1.04
